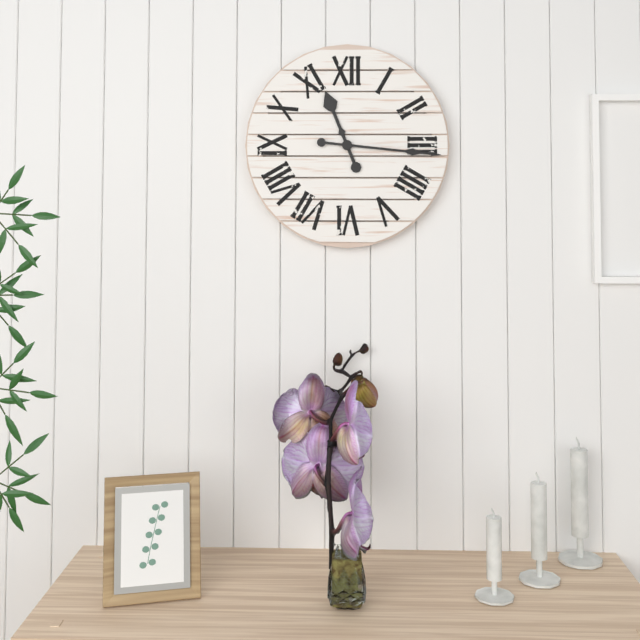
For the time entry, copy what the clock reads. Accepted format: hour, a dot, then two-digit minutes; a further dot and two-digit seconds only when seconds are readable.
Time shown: 11.16
